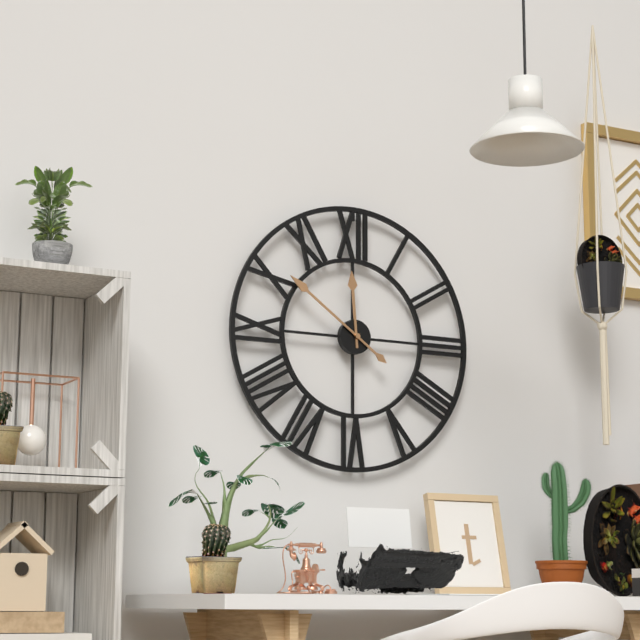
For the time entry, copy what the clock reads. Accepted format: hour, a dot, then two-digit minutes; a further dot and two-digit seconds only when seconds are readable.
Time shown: 11.51
